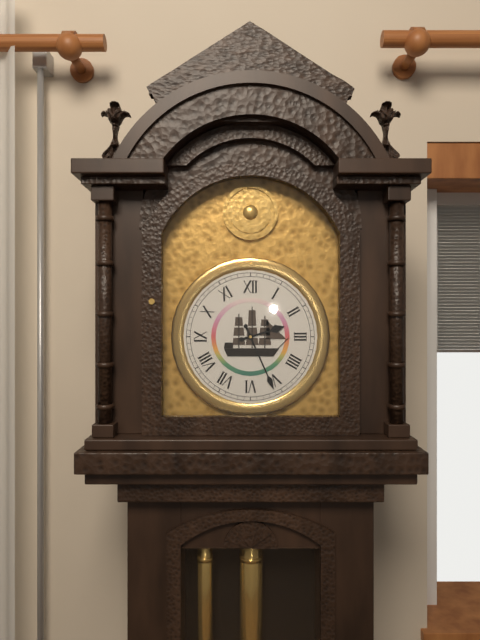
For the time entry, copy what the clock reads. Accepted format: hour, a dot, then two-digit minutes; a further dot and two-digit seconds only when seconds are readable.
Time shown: 2.26
